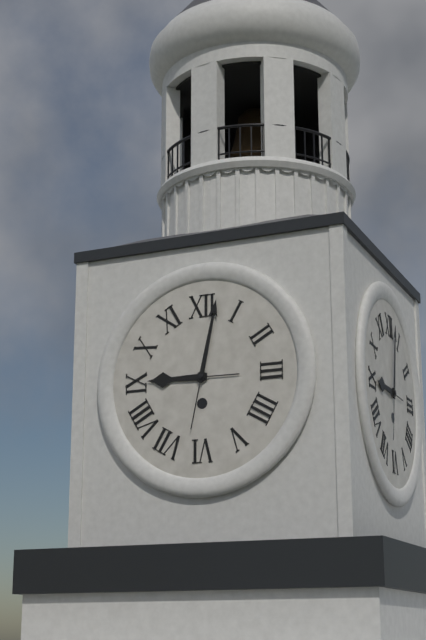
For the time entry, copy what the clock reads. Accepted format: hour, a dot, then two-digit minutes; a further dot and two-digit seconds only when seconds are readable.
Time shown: 9.02
